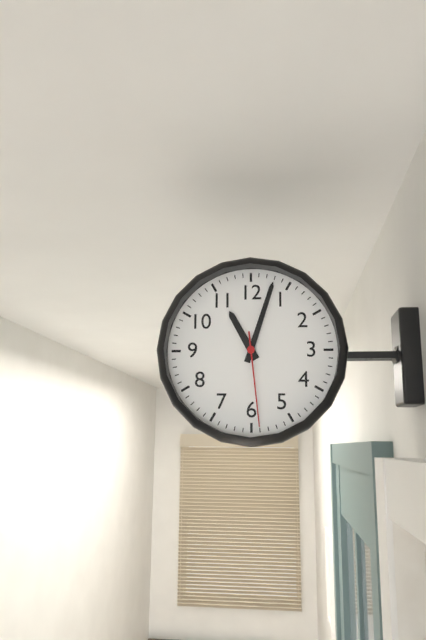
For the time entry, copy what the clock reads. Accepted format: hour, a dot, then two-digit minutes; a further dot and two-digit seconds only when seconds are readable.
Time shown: 11.03.29
